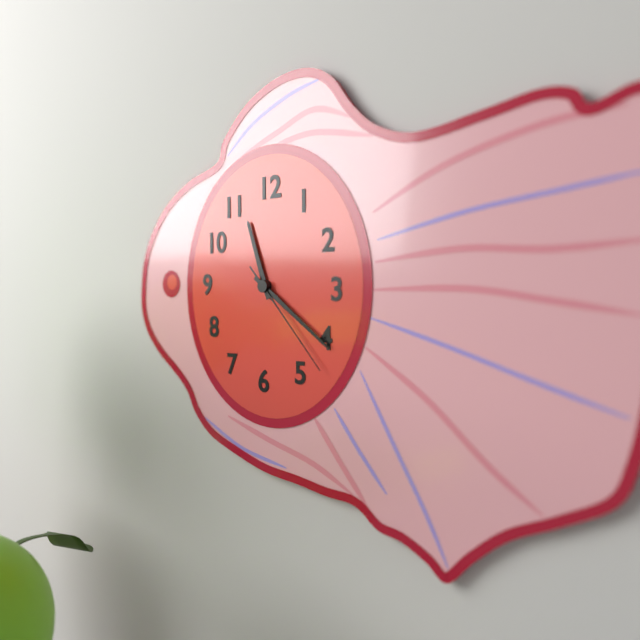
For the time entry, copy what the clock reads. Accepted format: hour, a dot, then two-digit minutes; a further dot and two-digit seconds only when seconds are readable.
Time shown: 11.21.23
